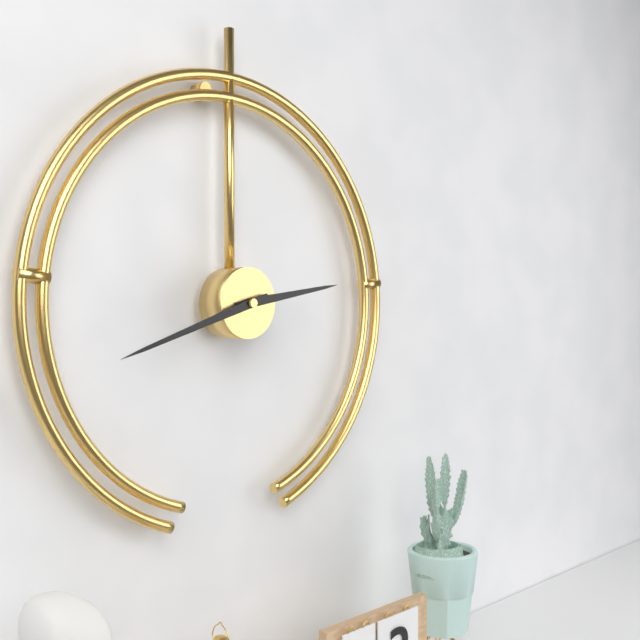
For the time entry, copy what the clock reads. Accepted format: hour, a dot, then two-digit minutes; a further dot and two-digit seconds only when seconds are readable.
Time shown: 2.42
